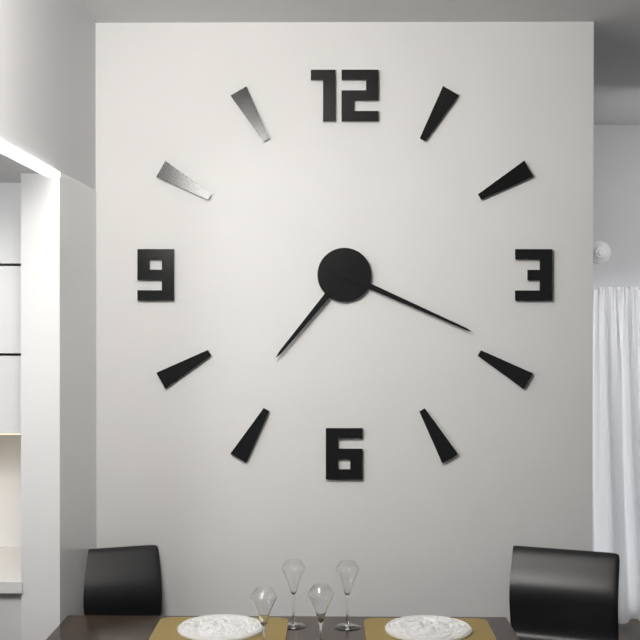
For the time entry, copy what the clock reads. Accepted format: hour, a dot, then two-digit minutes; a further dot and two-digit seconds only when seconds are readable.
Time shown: 7.19
